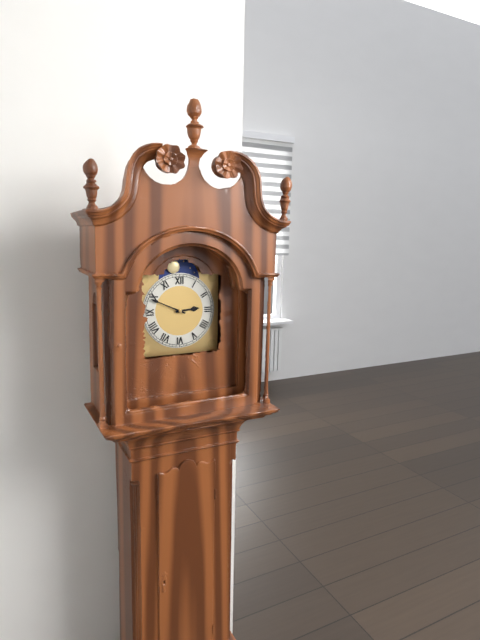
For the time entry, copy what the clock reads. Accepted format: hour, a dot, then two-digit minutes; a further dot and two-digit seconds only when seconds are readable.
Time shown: 2.49
